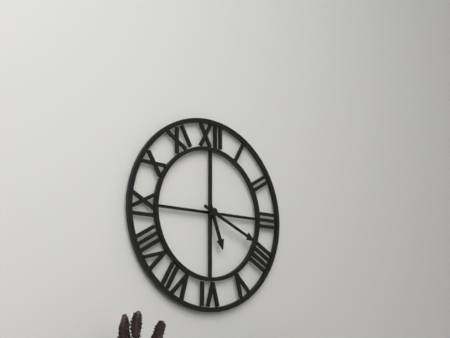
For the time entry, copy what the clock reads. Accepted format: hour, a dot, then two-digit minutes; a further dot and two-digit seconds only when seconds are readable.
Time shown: 5.19
